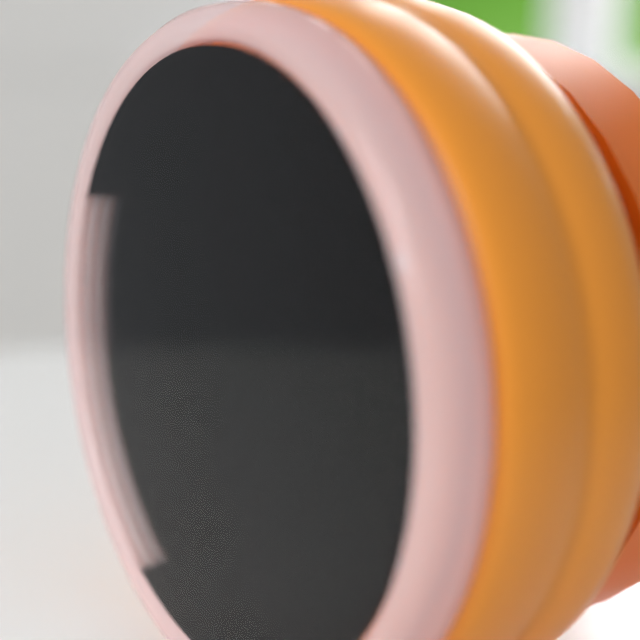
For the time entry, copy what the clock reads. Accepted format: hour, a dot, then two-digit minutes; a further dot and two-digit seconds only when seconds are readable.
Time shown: 5.03.23
